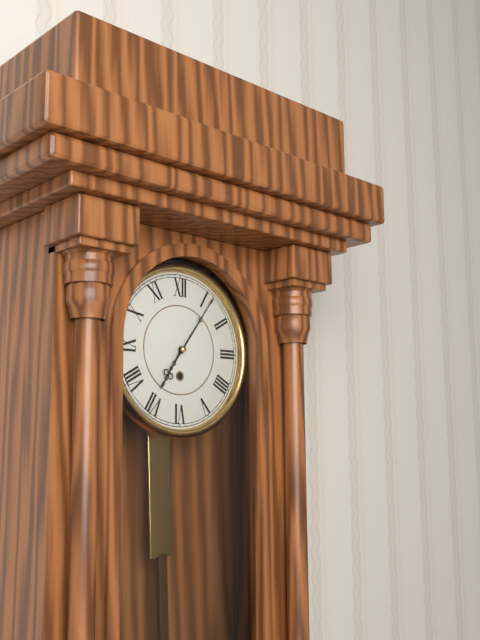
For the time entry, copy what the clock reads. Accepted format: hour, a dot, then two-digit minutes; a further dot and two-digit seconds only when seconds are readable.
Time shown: 7.06
